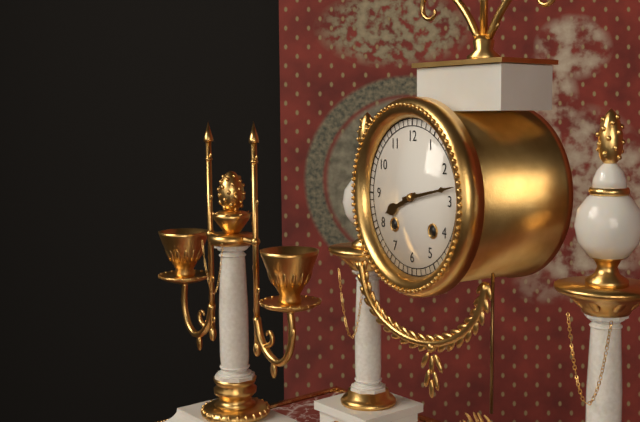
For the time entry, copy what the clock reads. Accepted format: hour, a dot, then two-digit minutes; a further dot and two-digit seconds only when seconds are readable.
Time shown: 8.13
